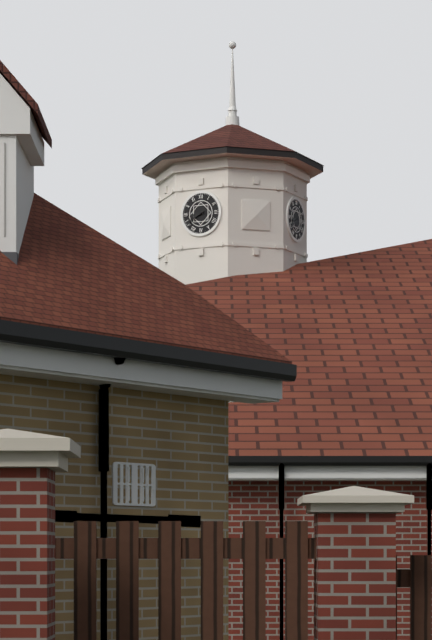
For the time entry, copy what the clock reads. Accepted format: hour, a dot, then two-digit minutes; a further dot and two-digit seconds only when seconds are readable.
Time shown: 8.40
